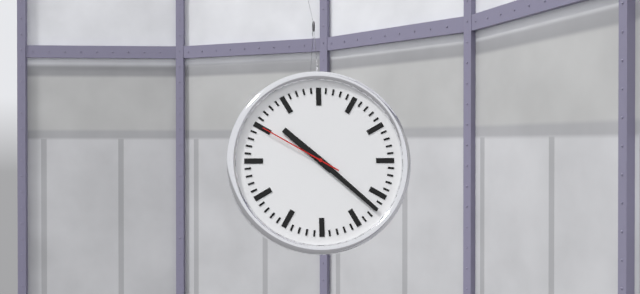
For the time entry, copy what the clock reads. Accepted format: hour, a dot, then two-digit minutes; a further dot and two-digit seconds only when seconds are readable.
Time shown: 10.22.50
